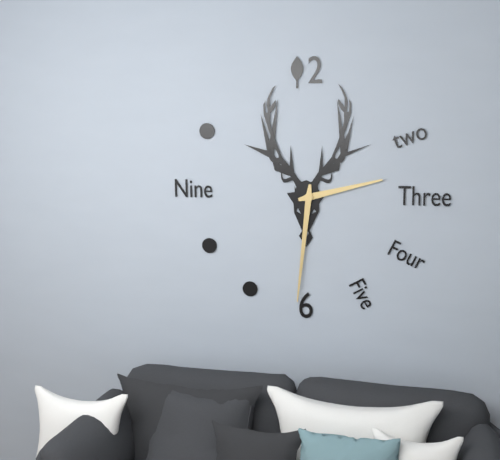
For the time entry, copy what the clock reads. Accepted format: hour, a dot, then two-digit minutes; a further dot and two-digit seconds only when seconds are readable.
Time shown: 2.31
